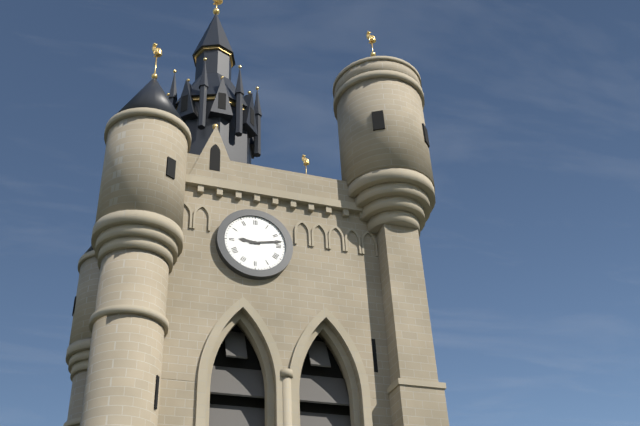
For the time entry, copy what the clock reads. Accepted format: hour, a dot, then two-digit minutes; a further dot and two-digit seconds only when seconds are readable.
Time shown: 9.13
